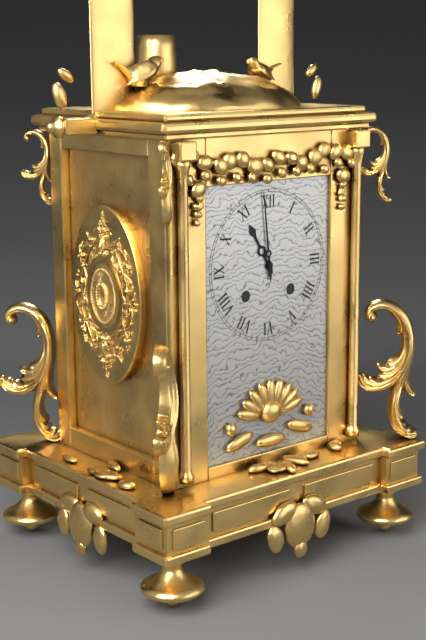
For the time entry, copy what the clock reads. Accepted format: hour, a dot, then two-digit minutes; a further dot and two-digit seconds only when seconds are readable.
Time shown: 10.59
